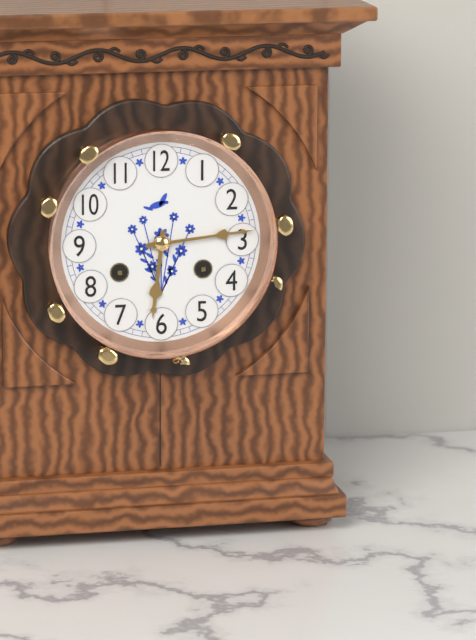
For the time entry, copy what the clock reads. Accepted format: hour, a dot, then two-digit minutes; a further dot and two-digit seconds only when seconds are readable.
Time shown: 6.14
